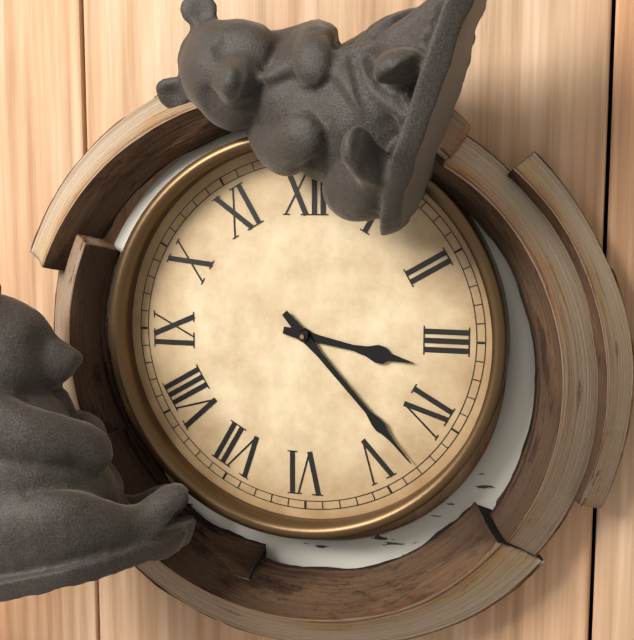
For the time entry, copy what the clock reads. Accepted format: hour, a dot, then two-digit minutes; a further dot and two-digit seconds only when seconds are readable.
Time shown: 3.23
